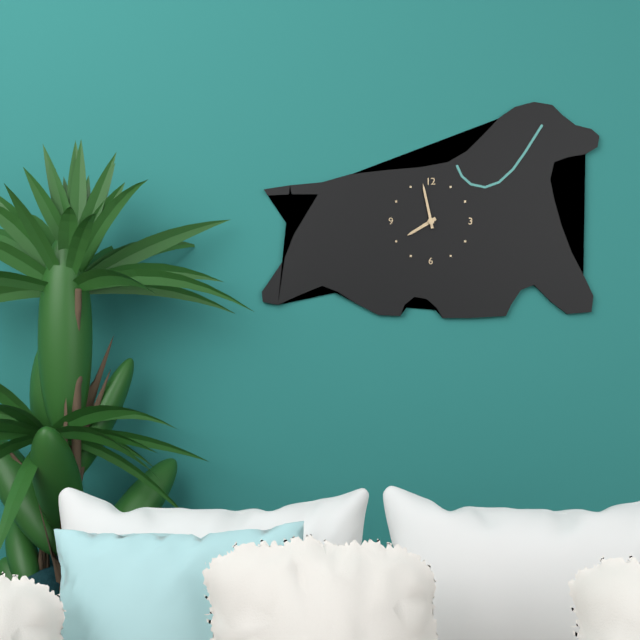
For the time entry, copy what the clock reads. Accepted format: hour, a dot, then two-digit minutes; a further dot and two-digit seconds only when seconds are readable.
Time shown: 7.58
